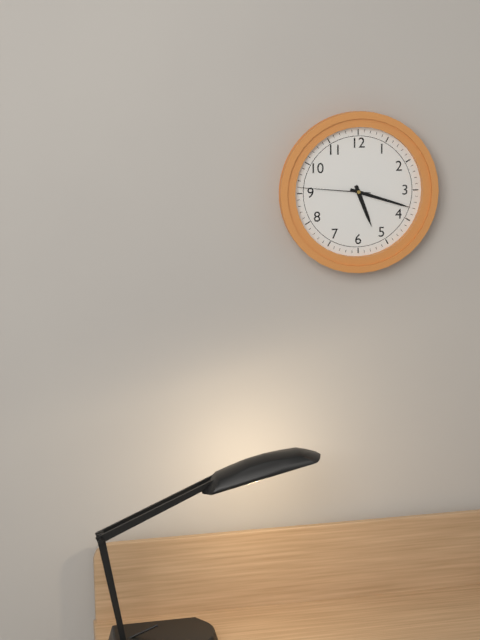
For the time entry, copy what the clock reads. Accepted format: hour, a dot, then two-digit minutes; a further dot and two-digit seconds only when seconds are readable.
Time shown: 5.18.46
